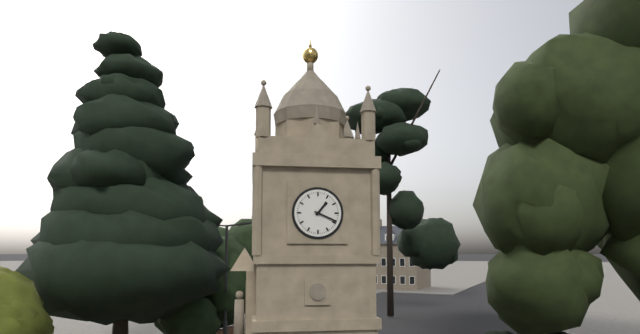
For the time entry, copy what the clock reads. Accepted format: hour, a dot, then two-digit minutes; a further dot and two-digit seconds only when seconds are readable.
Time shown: 1.19
